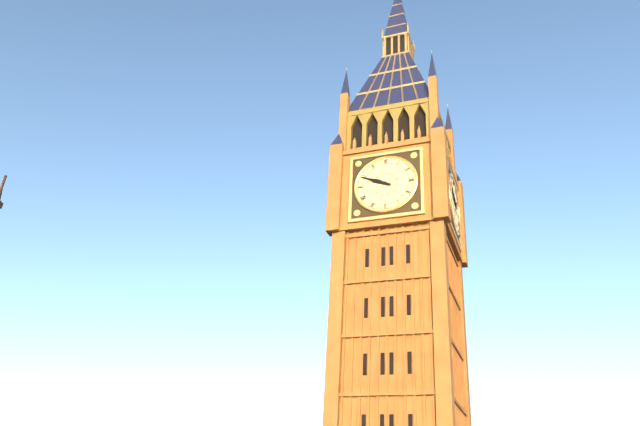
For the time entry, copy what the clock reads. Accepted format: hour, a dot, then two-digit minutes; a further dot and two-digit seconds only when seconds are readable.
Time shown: 9.49
